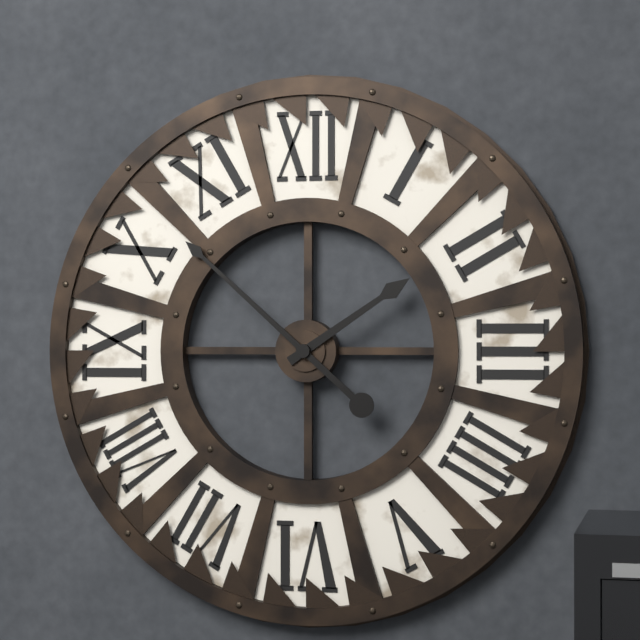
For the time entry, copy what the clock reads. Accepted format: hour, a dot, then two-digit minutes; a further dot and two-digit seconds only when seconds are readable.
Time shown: 1.52
